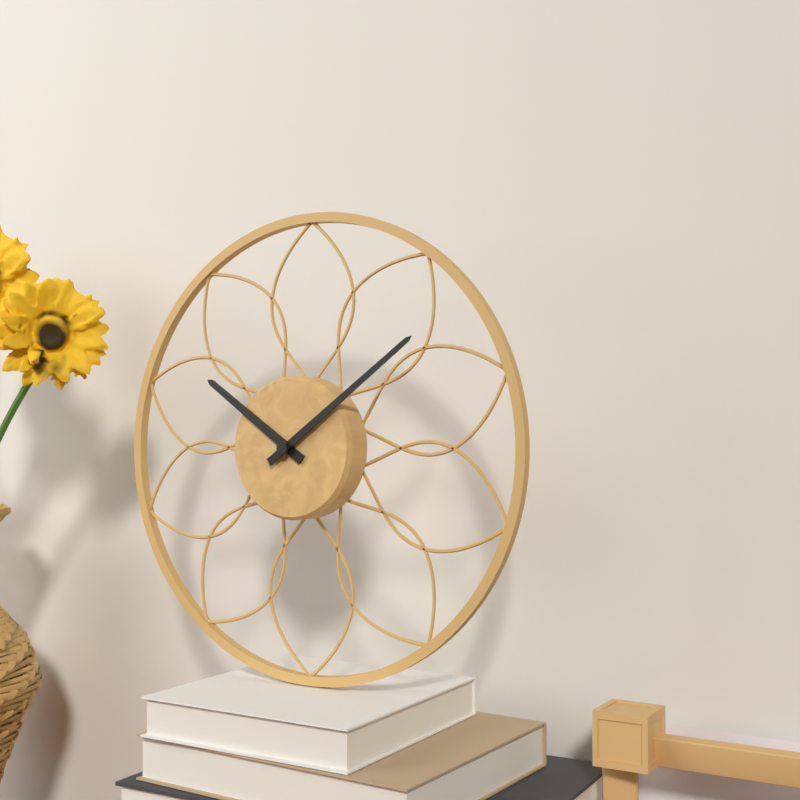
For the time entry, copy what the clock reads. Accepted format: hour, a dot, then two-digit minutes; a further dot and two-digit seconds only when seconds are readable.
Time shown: 10.09
